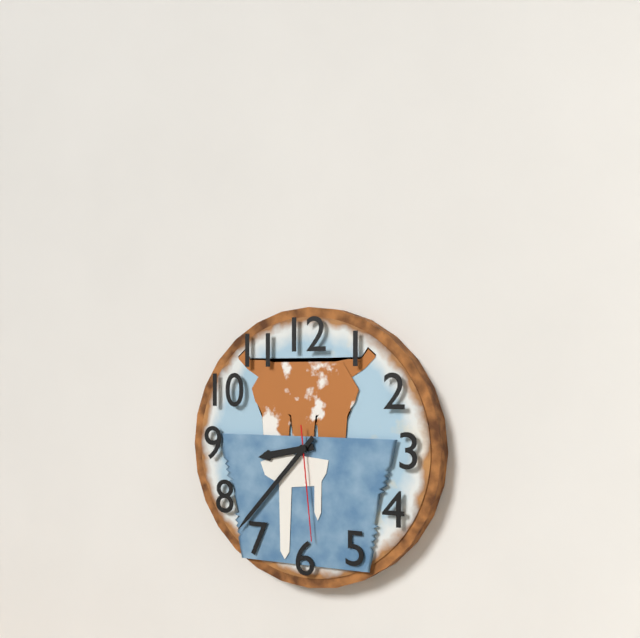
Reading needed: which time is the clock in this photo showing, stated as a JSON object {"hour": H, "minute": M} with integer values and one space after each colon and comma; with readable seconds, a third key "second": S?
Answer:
{"hour": 8, "minute": 37, "second": 29}
